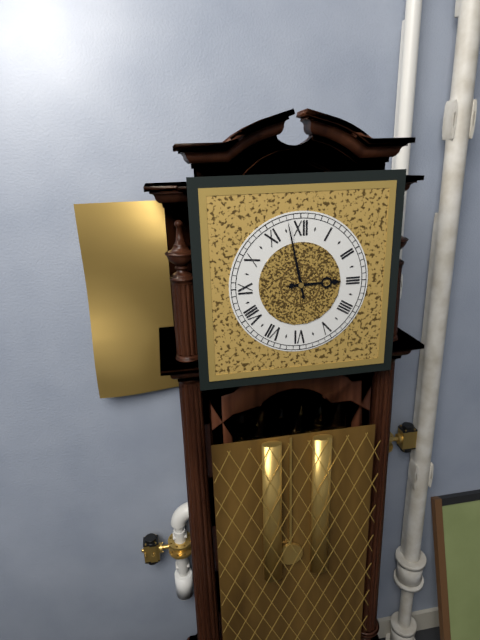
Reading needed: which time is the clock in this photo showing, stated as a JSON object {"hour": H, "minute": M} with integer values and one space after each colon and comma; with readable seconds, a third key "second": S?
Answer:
{"hour": 2, "minute": 58}
